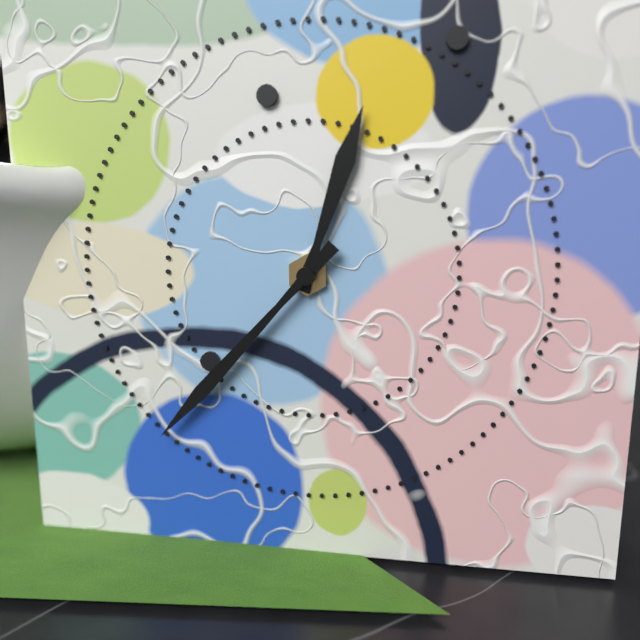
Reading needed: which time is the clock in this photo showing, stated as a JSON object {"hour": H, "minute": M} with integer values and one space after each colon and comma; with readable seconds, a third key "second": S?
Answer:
{"hour": 12, "minute": 37}
